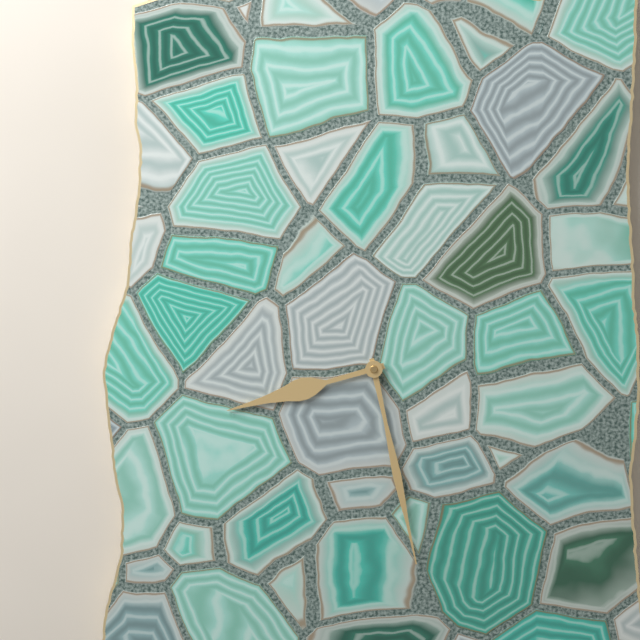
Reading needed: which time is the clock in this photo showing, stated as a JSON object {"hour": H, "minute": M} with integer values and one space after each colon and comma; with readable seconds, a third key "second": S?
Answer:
{"hour": 8, "minute": 28}
